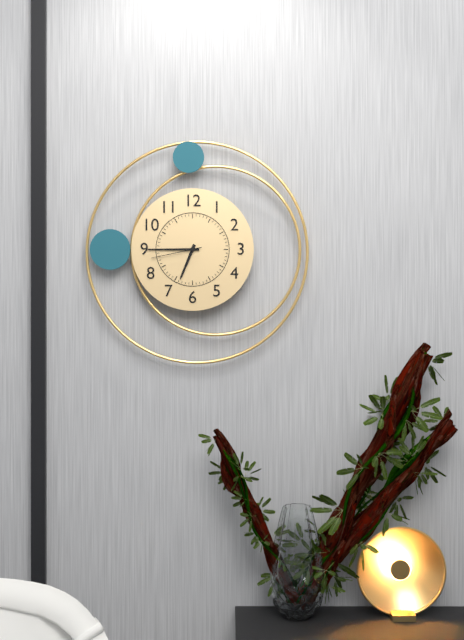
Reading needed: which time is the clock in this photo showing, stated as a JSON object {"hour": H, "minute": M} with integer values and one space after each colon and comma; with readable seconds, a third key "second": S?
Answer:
{"hour": 6, "minute": 45, "second": 43}
